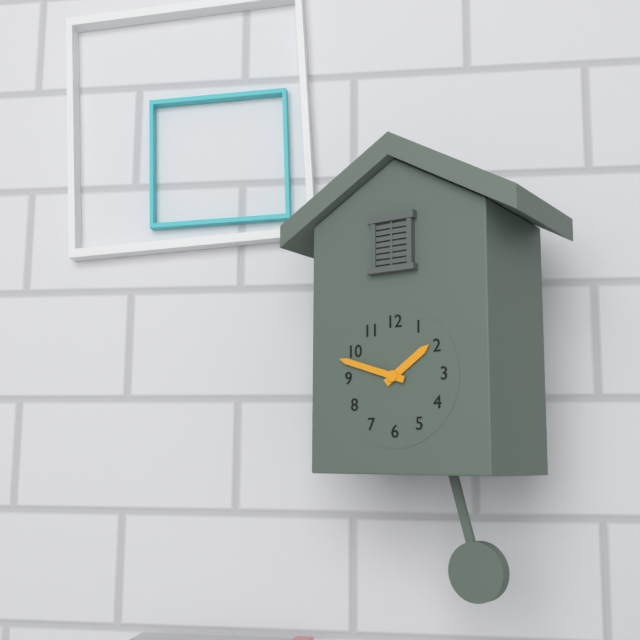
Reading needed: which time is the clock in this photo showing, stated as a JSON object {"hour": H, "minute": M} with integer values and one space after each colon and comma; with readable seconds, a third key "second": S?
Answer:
{"hour": 1, "minute": 48}
